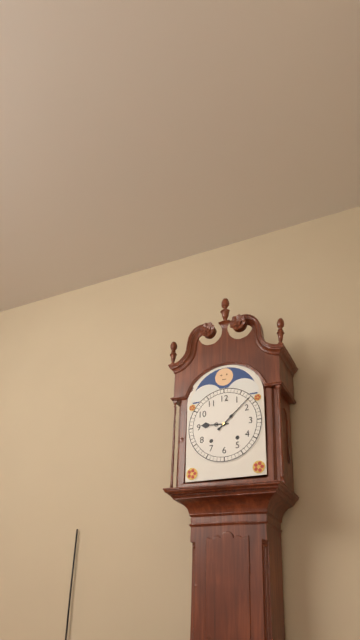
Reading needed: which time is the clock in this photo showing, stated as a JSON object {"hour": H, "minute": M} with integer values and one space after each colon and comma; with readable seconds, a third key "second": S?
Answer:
{"hour": 9, "minute": 8}
